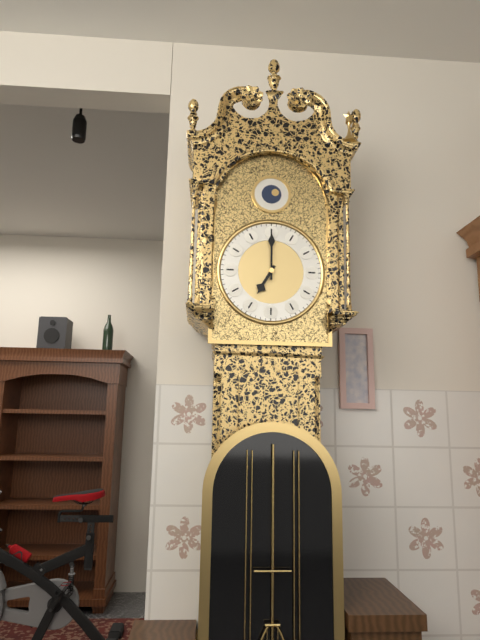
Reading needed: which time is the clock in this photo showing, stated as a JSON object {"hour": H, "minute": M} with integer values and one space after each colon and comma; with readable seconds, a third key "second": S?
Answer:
{"hour": 7, "minute": 0}
